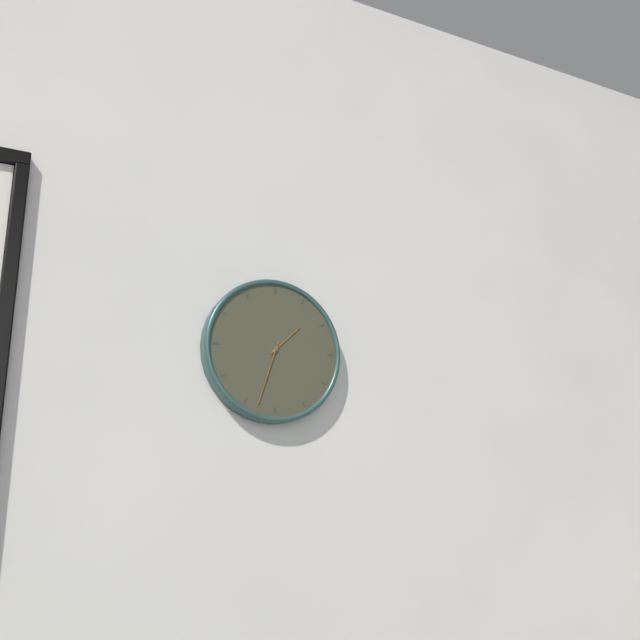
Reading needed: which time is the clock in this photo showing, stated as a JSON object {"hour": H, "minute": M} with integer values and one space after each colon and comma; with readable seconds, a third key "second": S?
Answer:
{"hour": 1, "minute": 33}
